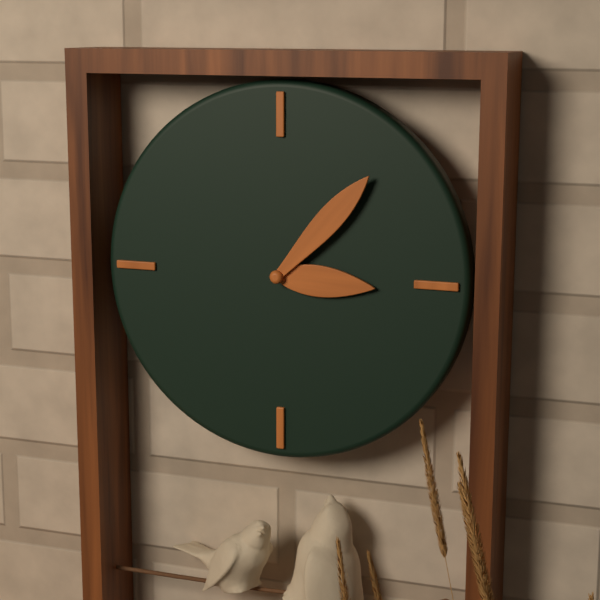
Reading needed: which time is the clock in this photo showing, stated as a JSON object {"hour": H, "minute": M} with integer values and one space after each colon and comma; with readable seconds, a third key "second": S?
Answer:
{"hour": 3, "minute": 7}
